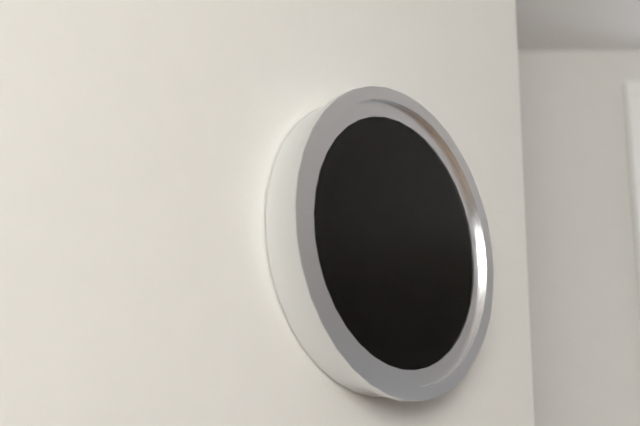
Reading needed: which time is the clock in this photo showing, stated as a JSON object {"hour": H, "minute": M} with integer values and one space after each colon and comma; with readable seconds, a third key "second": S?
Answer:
{"hour": 9, "minute": 18, "second": 19}
